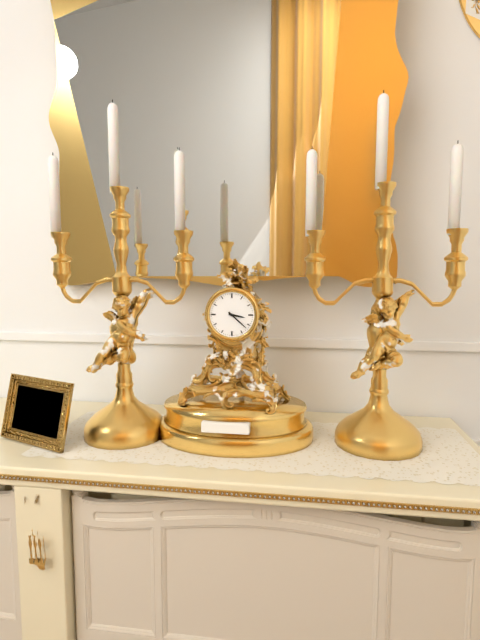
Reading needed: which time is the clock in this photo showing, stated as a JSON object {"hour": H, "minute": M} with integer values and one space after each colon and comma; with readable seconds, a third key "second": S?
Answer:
{"hour": 3, "minute": 22}
